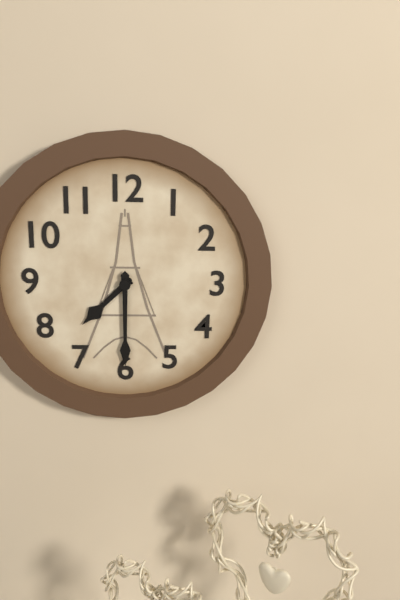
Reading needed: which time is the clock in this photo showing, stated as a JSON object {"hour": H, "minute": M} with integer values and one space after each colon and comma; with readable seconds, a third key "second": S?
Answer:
{"hour": 7, "minute": 30}
